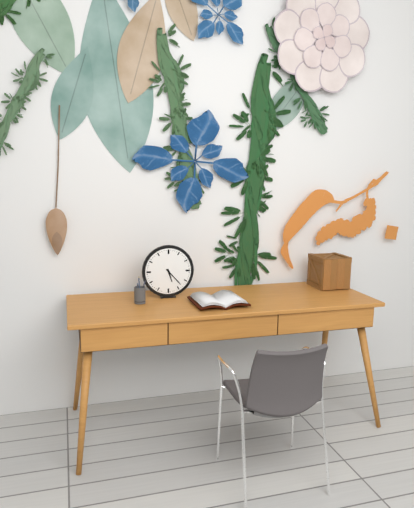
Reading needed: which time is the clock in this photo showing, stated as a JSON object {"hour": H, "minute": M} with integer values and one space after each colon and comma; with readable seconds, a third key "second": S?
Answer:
{"hour": 5, "minute": 23}
